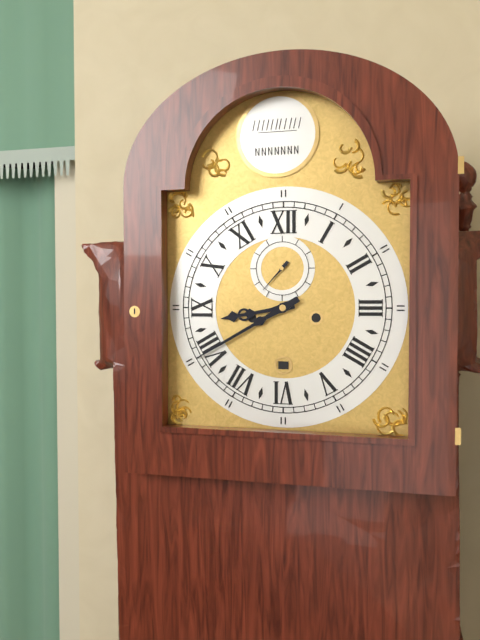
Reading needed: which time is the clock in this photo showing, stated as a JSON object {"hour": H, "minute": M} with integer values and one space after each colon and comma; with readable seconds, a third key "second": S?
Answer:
{"hour": 8, "minute": 40}
